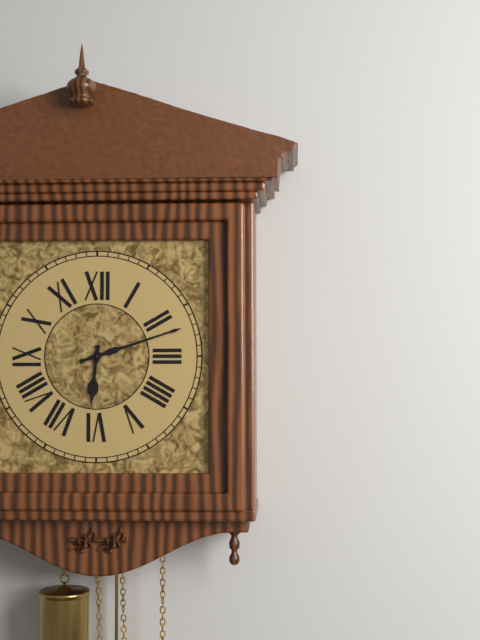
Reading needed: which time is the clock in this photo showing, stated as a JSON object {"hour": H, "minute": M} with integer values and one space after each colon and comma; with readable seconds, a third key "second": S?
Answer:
{"hour": 6, "minute": 12}
